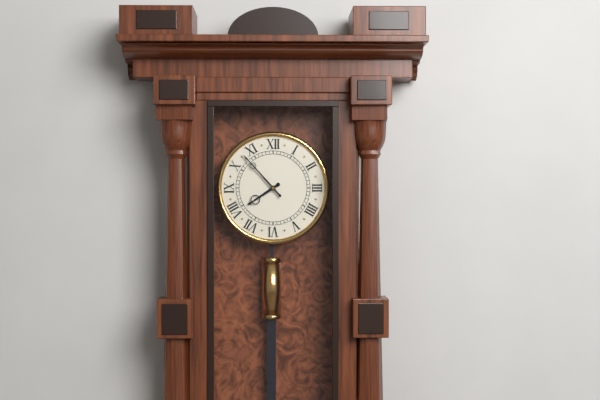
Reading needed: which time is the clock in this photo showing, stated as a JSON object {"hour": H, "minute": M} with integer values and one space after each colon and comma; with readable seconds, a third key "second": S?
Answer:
{"hour": 7, "minute": 53}
